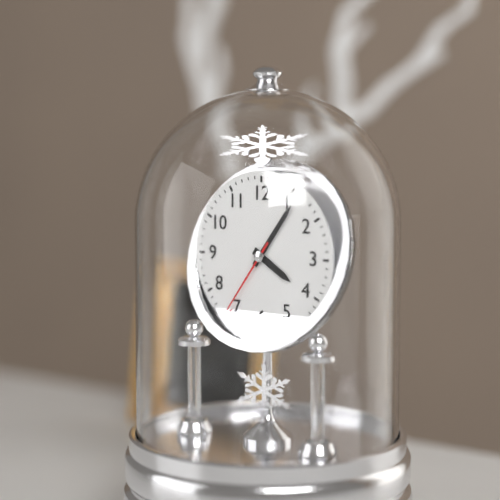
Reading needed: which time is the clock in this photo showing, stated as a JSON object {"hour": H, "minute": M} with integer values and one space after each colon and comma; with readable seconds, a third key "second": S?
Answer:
{"hour": 4, "minute": 6, "second": 36}
